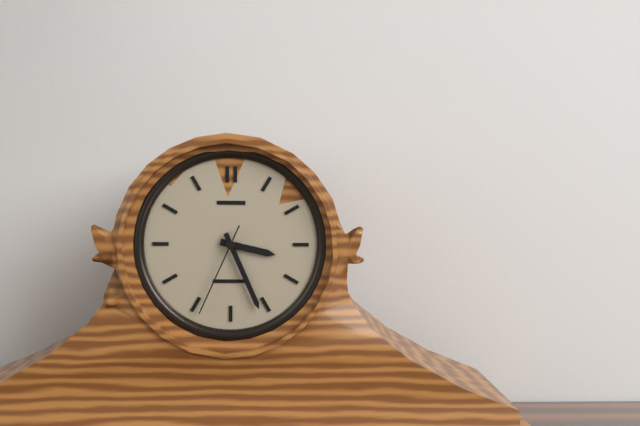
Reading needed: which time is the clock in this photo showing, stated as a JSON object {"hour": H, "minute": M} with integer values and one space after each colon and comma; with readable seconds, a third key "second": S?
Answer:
{"hour": 3, "minute": 26, "second": 34}
